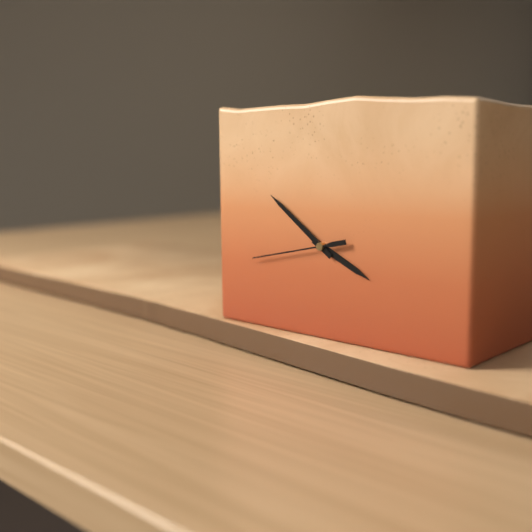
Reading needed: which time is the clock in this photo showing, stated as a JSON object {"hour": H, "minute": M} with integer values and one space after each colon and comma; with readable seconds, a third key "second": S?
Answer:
{"hour": 3, "minute": 51, "second": 43}
